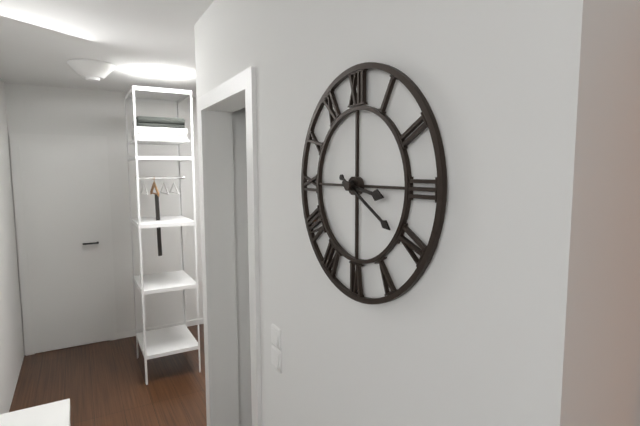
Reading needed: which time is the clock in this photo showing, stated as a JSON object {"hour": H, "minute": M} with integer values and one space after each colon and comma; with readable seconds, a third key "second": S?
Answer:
{"hour": 3, "minute": 20}
